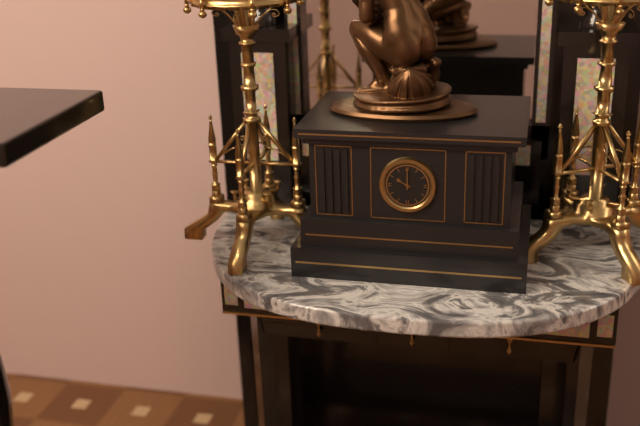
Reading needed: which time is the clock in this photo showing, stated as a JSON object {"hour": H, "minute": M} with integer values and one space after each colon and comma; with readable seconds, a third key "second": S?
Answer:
{"hour": 10, "minute": 0}
